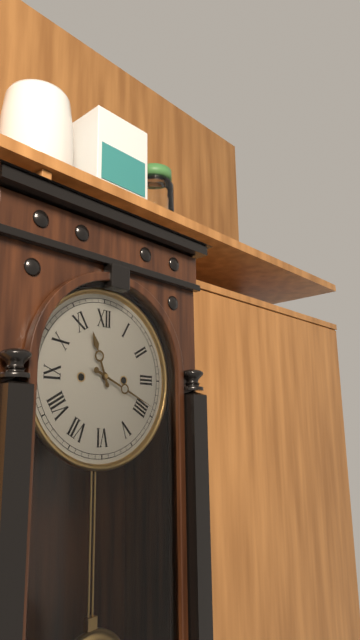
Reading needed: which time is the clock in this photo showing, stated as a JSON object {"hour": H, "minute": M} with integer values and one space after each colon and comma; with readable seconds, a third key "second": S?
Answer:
{"hour": 11, "minute": 19}
